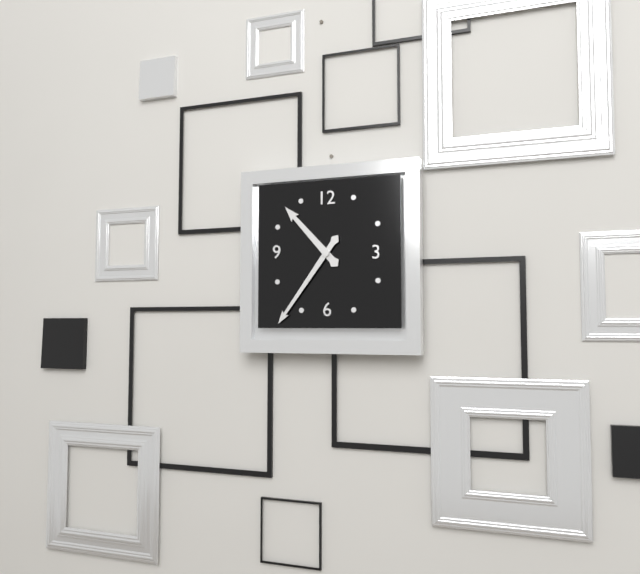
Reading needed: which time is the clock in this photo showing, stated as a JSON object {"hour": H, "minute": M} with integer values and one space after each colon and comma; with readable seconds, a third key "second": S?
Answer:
{"hour": 10, "minute": 36}
